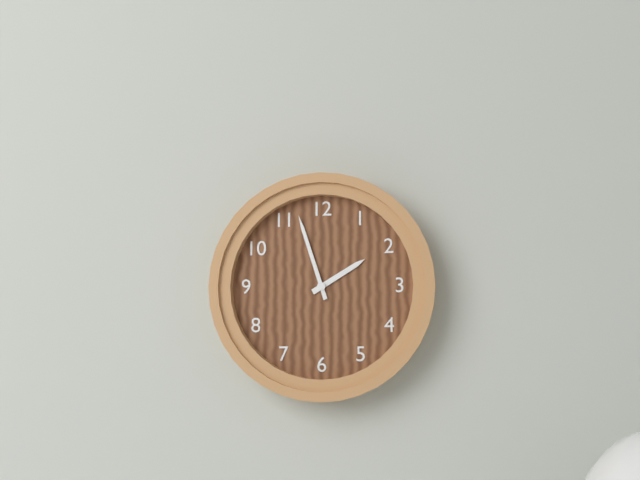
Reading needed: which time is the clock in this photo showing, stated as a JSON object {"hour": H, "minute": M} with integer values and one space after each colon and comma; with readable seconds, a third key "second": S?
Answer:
{"hour": 1, "minute": 57}
